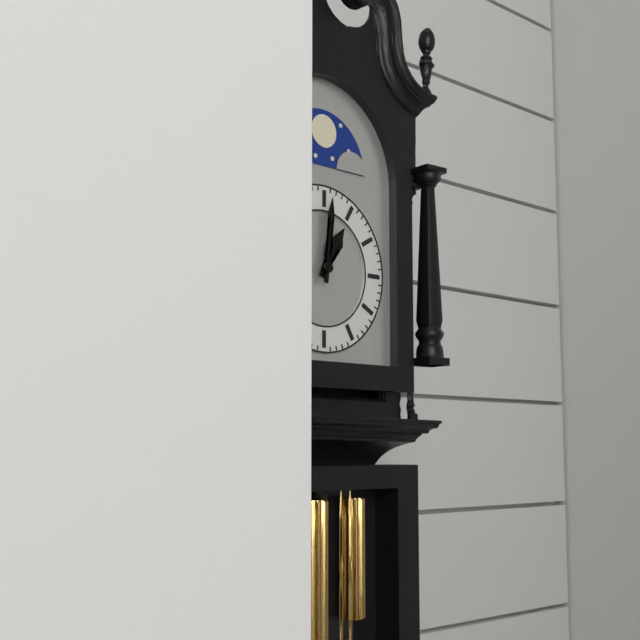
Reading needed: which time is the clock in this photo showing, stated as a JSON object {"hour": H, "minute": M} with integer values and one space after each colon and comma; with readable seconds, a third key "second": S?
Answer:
{"hour": 1, "minute": 1}
